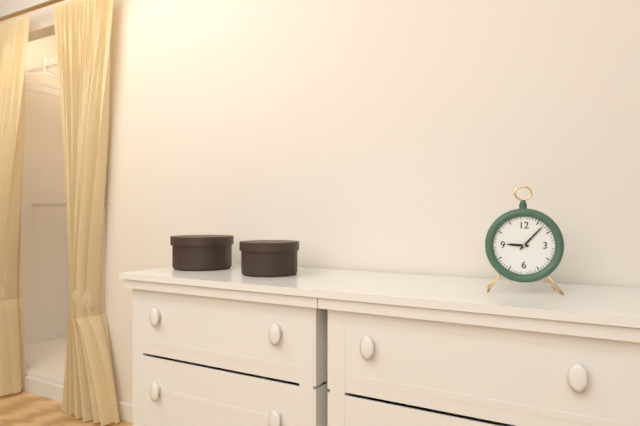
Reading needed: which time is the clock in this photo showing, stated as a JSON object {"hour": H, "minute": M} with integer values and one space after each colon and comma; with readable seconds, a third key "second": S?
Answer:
{"hour": 9, "minute": 7}
